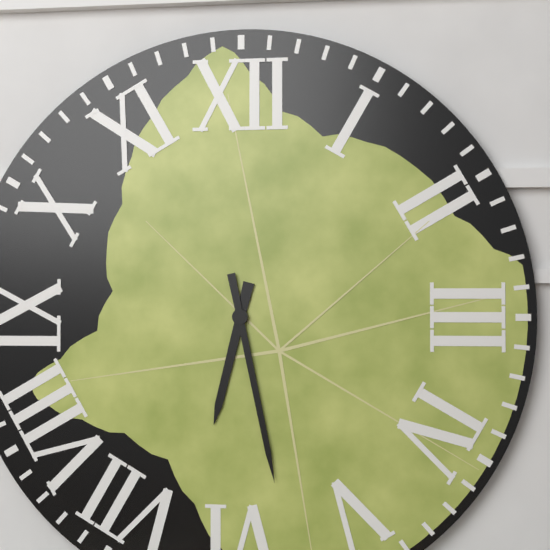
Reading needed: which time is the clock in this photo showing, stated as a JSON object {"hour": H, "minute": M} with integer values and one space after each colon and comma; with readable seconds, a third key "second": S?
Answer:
{"hour": 6, "minute": 28}
